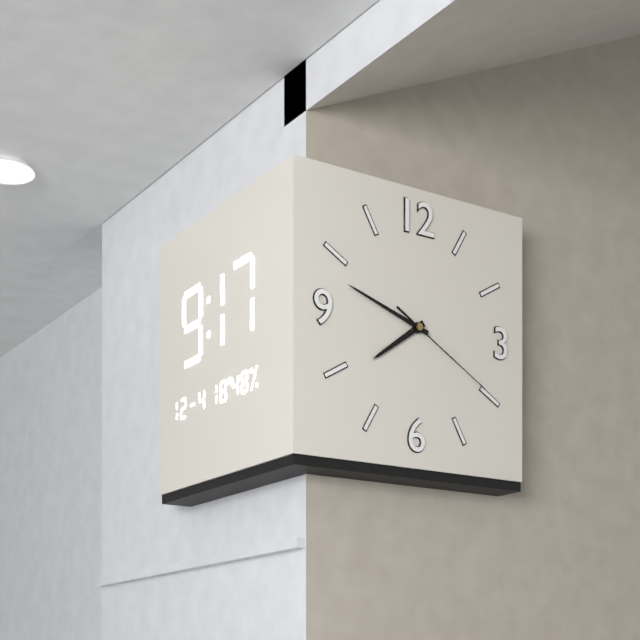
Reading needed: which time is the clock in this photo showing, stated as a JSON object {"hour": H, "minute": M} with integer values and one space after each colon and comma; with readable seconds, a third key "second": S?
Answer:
{"hour": 7, "minute": 48, "second": 20}
